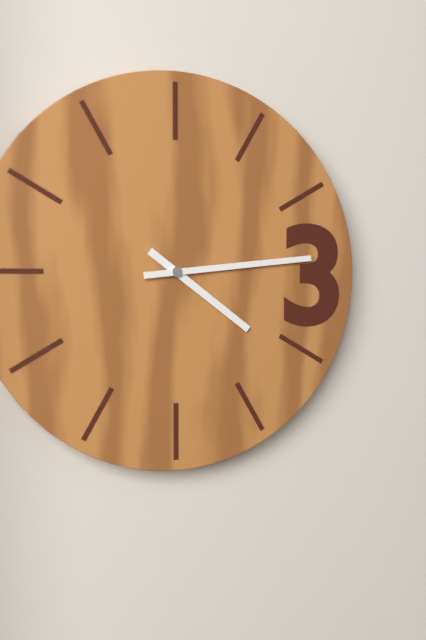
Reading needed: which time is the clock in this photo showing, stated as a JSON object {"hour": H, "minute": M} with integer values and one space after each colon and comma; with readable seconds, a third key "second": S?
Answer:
{"hour": 4, "minute": 14}
